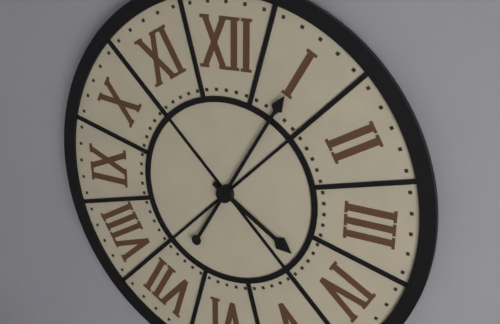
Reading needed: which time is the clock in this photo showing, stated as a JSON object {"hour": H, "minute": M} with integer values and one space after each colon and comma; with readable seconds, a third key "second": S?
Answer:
{"hour": 4, "minute": 5}
